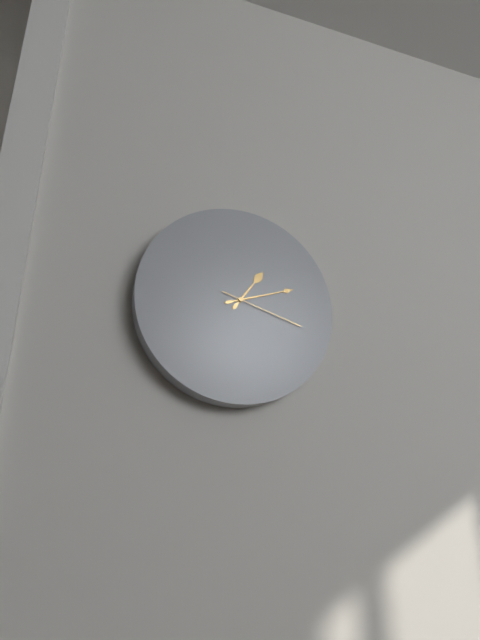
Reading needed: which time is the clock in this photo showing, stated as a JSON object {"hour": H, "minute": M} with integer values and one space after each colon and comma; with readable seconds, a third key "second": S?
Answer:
{"hour": 1, "minute": 12, "second": 18}
